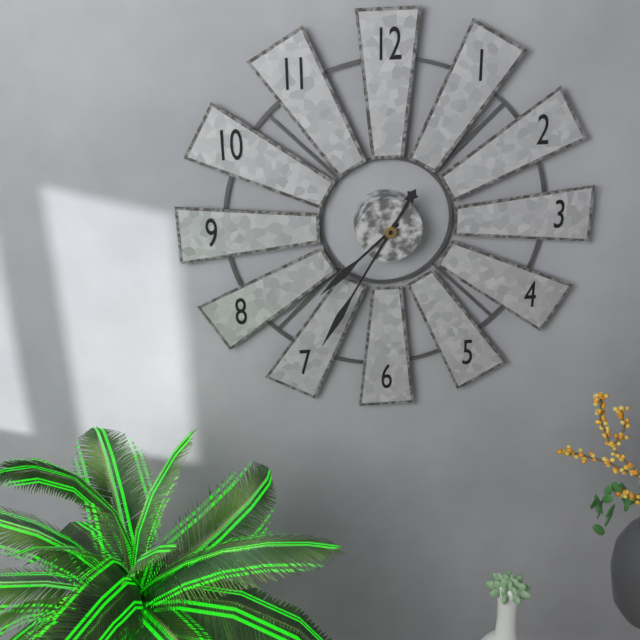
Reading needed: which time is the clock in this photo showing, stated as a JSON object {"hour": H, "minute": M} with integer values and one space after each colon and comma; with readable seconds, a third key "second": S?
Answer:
{"hour": 7, "minute": 35}
